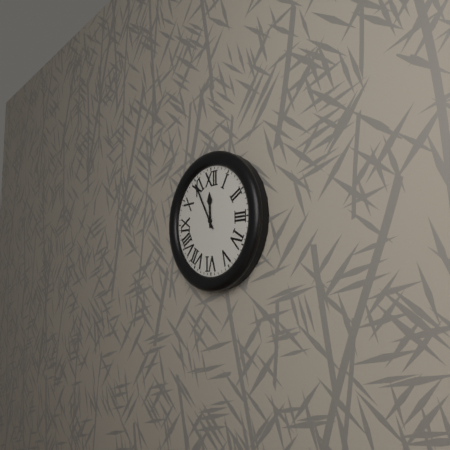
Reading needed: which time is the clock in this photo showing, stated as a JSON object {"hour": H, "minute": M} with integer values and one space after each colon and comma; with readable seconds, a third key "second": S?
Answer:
{"hour": 11, "minute": 55}
